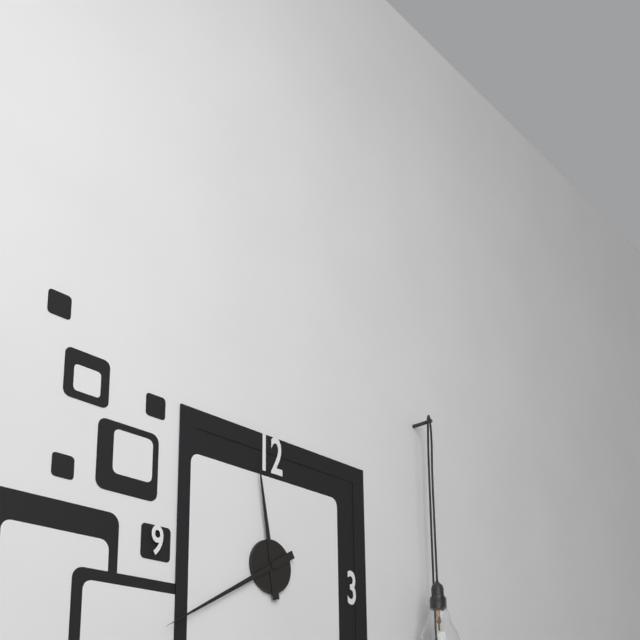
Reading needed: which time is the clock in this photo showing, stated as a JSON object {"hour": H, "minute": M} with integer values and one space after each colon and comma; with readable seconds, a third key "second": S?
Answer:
{"hour": 11, "minute": 40}
